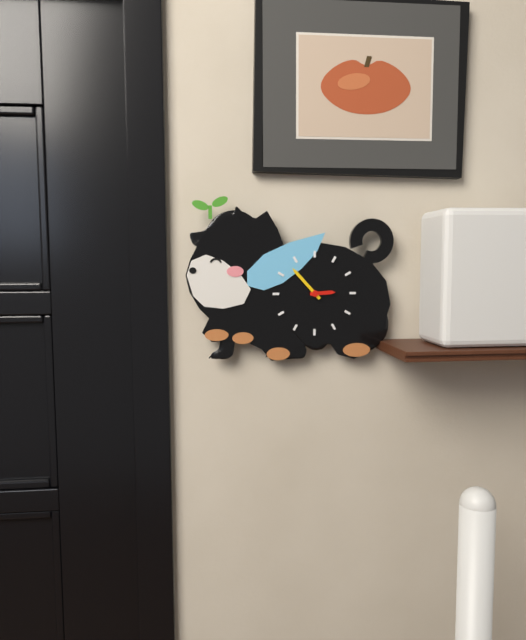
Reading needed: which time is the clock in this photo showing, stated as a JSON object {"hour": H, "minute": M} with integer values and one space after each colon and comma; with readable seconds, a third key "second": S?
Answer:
{"hour": 2, "minute": 53}
